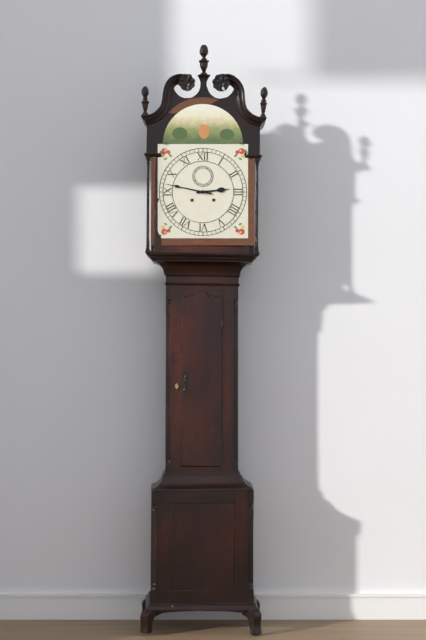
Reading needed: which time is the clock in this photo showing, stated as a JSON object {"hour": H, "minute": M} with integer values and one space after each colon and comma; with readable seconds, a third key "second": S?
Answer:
{"hour": 2, "minute": 47}
